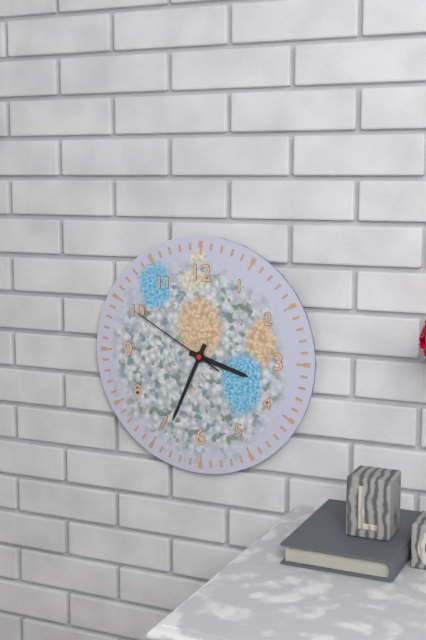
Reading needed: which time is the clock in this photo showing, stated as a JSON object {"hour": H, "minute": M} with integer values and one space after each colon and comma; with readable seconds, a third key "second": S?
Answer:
{"hour": 3, "minute": 34, "second": 50}
